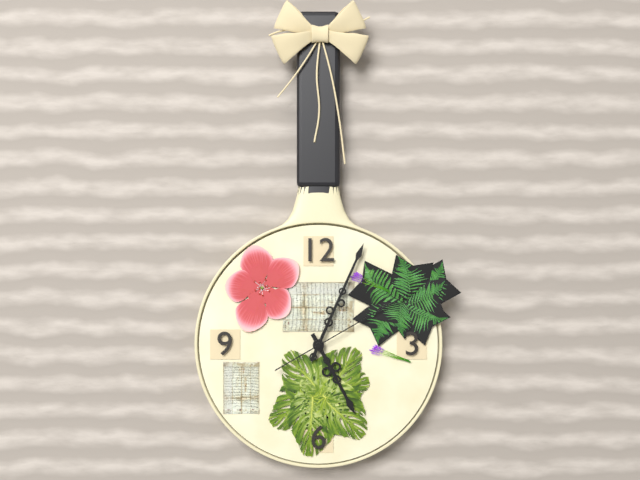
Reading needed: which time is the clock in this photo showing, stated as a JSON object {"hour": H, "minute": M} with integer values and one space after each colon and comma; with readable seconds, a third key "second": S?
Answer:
{"hour": 5, "minute": 4, "second": 10}
